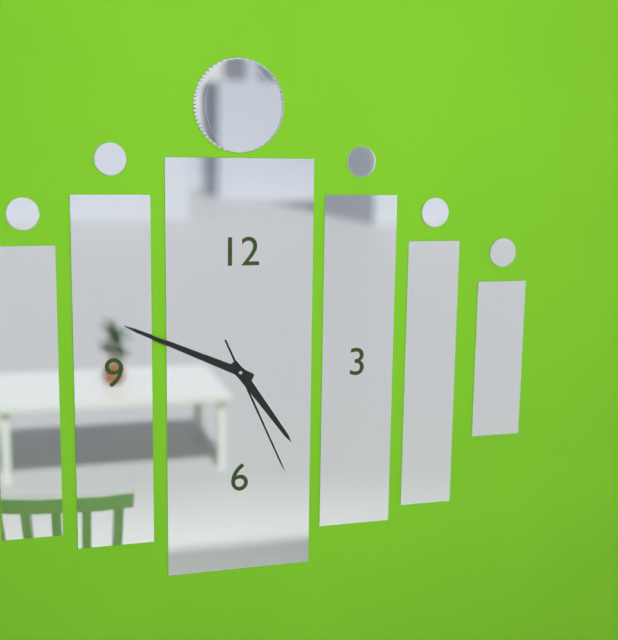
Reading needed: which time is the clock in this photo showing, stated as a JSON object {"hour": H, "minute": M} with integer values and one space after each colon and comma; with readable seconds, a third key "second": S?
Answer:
{"hour": 4, "minute": 49, "second": 26}
